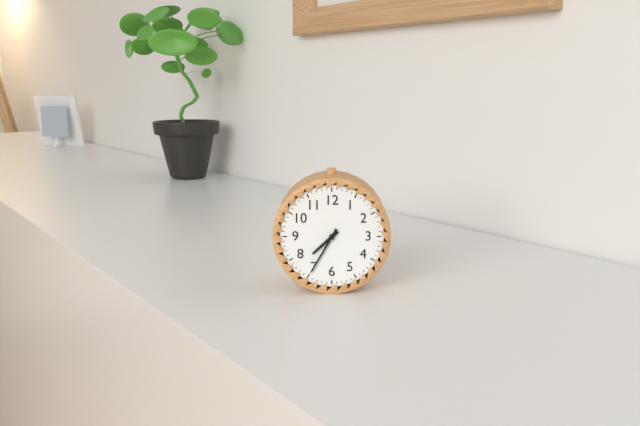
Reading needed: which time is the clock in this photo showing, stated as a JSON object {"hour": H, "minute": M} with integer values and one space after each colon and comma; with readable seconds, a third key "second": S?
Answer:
{"hour": 7, "minute": 35}
